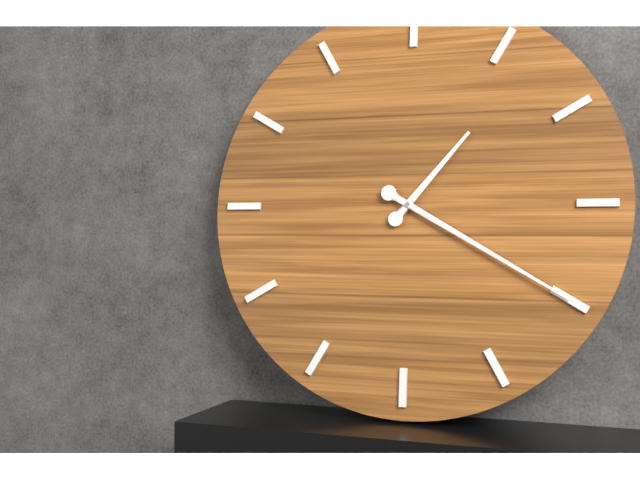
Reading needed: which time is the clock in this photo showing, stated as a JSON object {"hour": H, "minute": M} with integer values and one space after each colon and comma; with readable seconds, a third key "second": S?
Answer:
{"hour": 1, "minute": 20}
